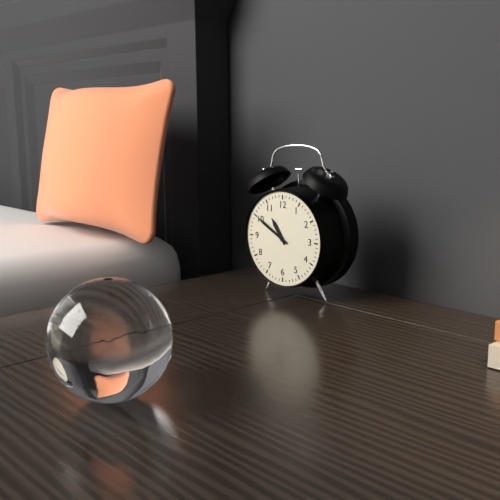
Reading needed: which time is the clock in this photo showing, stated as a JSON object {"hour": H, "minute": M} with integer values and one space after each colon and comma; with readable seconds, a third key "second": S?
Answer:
{"hour": 10, "minute": 50}
